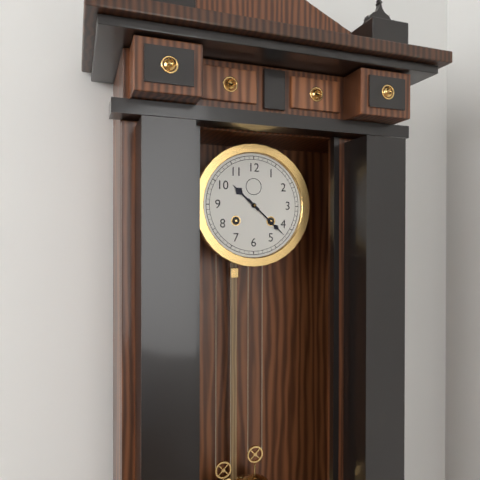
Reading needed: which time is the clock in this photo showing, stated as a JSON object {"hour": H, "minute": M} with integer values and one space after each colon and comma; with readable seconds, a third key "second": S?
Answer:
{"hour": 10, "minute": 22}
